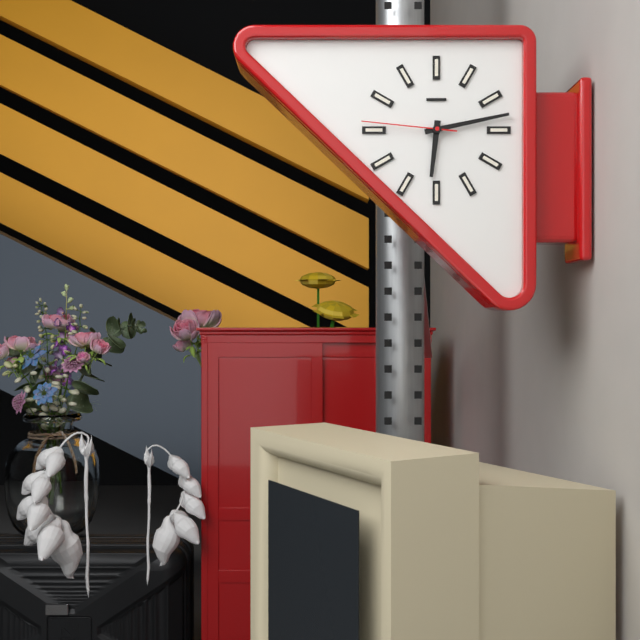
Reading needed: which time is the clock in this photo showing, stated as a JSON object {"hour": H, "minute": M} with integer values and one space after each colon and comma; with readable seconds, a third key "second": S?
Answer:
{"hour": 6, "minute": 13, "second": 46}
